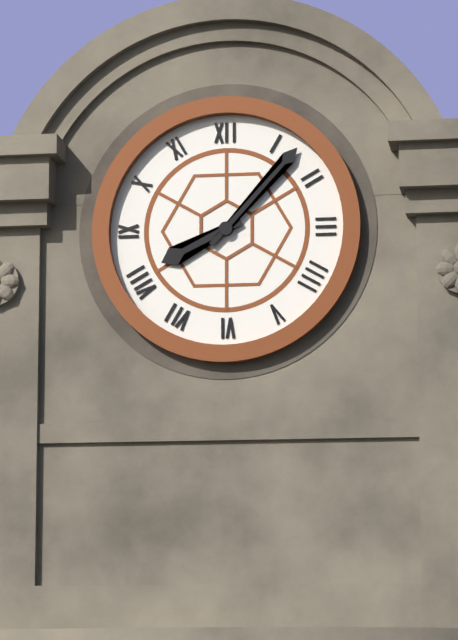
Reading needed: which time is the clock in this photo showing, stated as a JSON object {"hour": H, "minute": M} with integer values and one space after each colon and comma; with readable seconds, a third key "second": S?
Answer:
{"hour": 8, "minute": 7}
